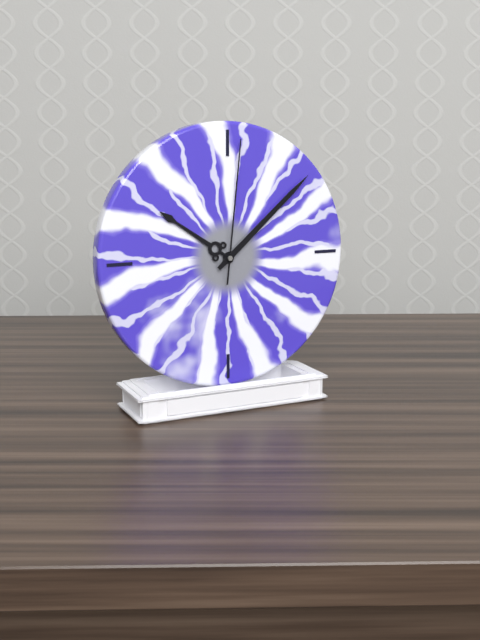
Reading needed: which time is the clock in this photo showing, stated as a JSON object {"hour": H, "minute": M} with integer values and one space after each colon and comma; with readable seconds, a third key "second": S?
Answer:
{"hour": 10, "minute": 8, "second": 1}
